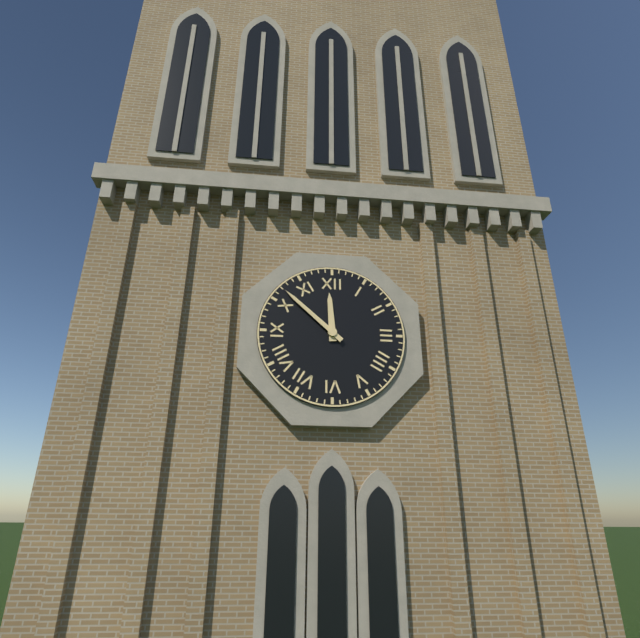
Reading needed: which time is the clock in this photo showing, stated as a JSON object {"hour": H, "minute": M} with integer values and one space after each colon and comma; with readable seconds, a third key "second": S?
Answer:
{"hour": 11, "minute": 52}
